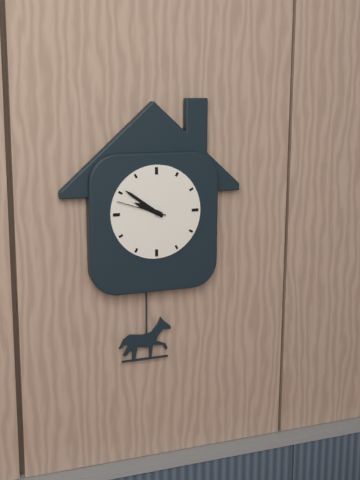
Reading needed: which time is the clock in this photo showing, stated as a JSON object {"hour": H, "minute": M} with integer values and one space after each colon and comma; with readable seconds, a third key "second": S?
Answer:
{"hour": 9, "minute": 51, "second": 48}
